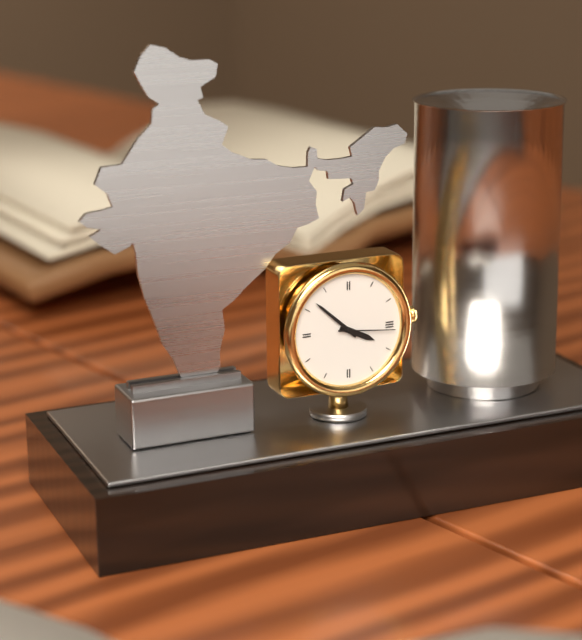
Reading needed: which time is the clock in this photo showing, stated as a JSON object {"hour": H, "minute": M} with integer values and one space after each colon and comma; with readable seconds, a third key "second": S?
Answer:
{"hour": 3, "minute": 52, "second": 16}
